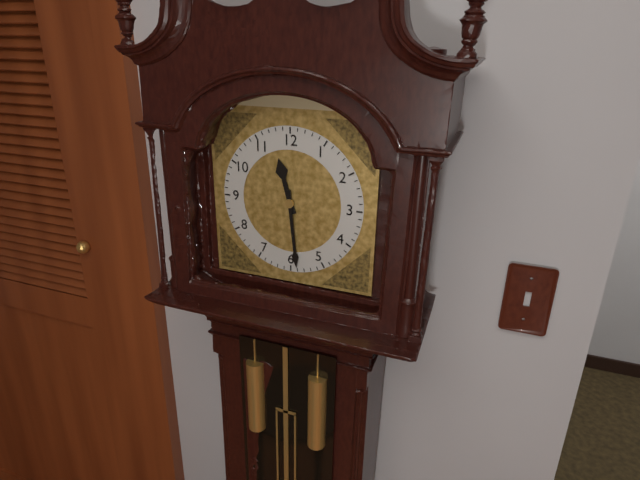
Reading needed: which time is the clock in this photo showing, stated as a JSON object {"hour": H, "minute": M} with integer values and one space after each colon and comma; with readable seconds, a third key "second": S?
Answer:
{"hour": 11, "minute": 29}
